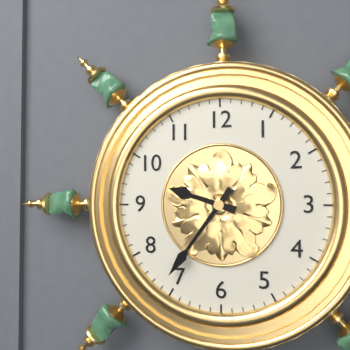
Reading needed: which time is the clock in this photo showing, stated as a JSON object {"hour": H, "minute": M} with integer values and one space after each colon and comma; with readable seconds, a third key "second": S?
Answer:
{"hour": 9, "minute": 36}
